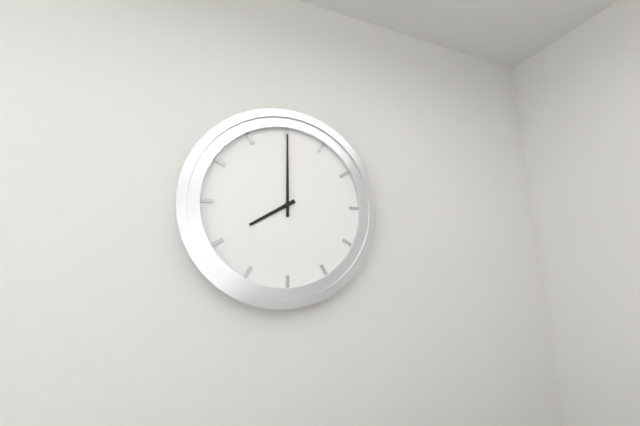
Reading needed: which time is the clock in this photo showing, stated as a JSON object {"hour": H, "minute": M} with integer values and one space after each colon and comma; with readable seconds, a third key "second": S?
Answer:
{"hour": 8, "minute": 0}
